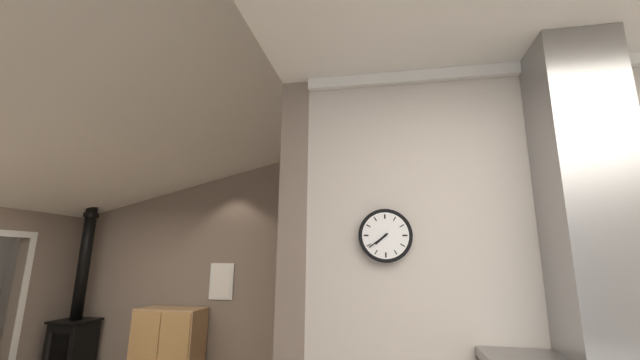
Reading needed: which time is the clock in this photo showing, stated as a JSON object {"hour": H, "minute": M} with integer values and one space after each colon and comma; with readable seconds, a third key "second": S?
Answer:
{"hour": 7, "minute": 39}
